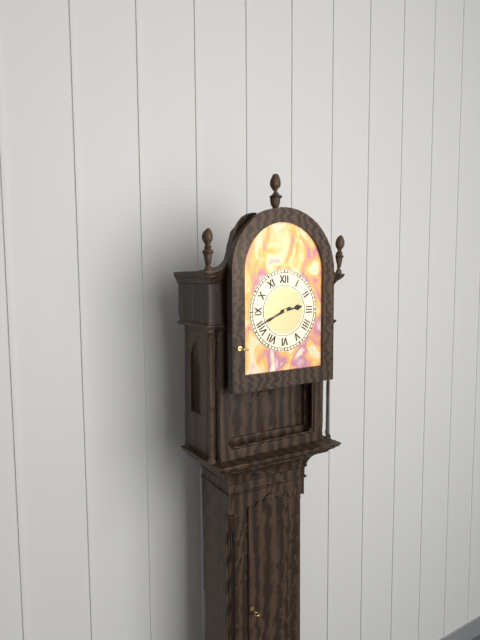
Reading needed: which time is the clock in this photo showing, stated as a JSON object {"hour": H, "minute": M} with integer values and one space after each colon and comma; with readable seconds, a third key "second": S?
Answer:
{"hour": 2, "minute": 41}
